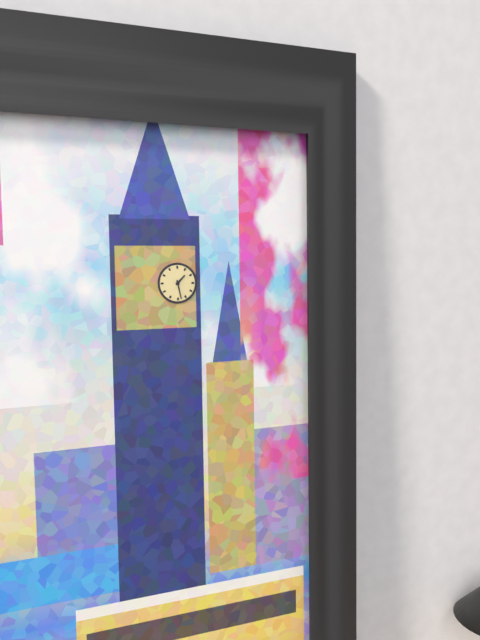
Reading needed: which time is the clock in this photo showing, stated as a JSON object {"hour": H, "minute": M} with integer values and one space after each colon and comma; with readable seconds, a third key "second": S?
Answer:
{"hour": 1, "minute": 28}
